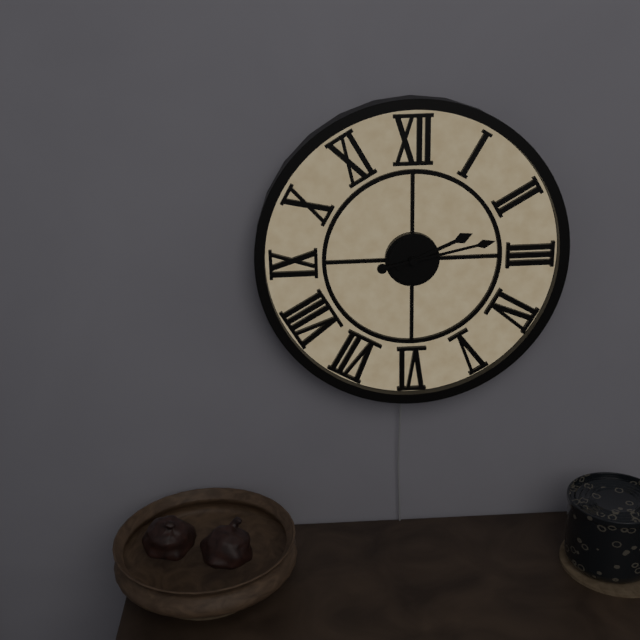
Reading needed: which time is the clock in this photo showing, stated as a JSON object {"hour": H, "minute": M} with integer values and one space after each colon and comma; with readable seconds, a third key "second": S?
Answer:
{"hour": 2, "minute": 13}
